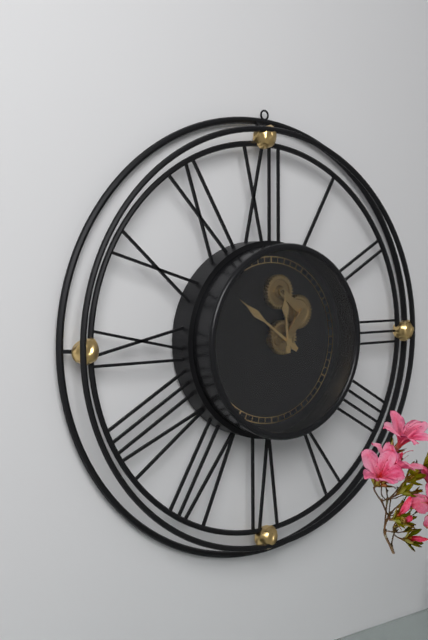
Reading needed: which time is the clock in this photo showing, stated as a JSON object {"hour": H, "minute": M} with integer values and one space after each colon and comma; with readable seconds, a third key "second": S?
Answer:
{"hour": 11, "minute": 51}
